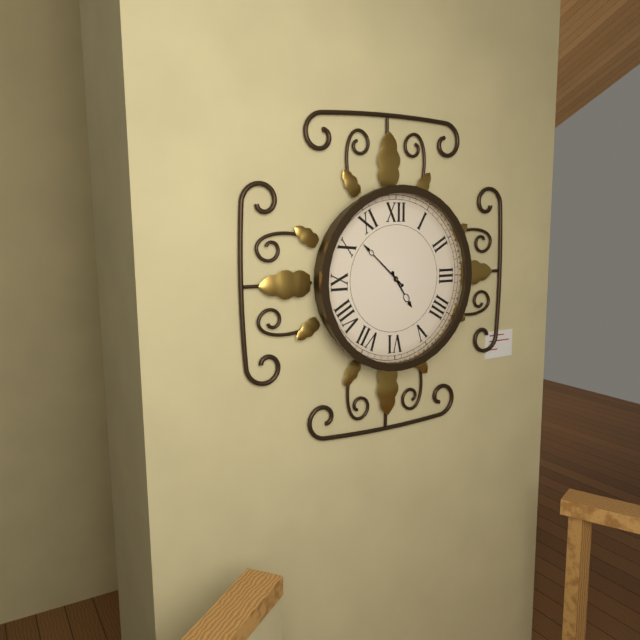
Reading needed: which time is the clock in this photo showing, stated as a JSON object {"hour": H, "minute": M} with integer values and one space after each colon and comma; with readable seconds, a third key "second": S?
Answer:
{"hour": 4, "minute": 52}
